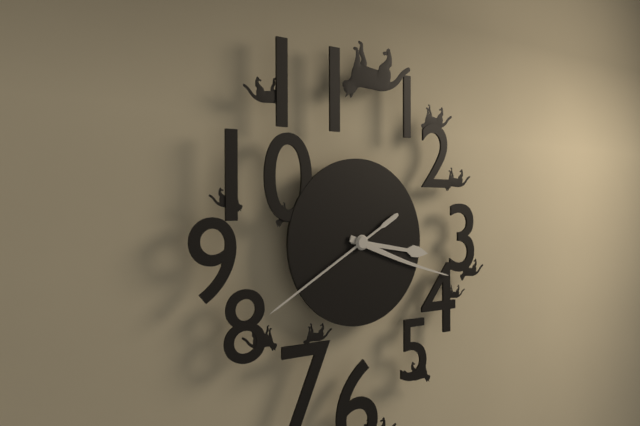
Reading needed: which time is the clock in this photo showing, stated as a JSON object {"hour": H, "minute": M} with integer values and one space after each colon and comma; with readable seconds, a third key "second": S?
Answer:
{"hour": 3, "minute": 18, "second": 40}
